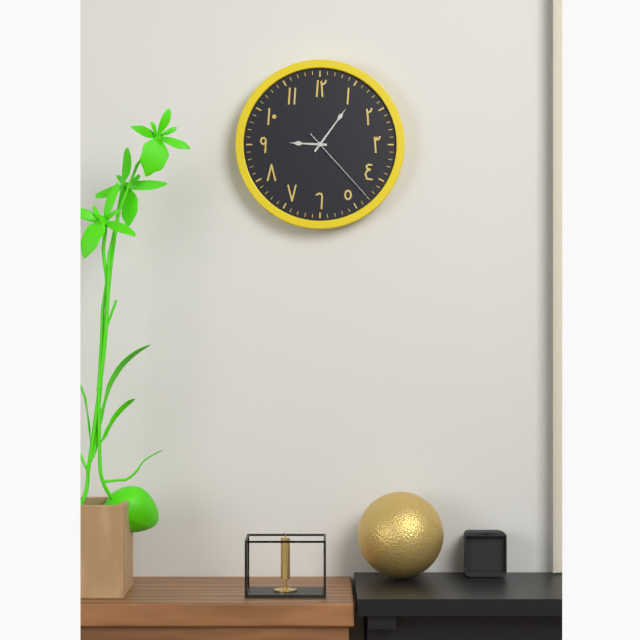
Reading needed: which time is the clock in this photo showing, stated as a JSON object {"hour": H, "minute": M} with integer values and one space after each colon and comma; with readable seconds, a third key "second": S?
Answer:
{"hour": 9, "minute": 6, "second": 23}
